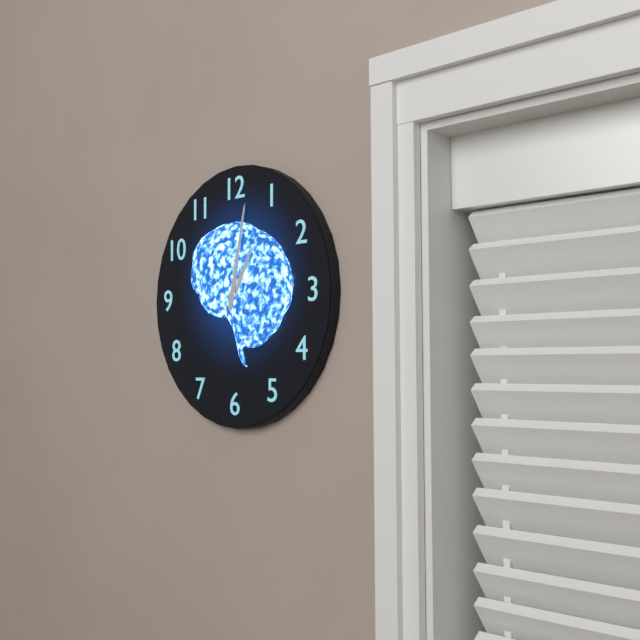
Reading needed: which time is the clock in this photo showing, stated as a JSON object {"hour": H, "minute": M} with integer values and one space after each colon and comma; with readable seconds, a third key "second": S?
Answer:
{"hour": 1, "minute": 2}
